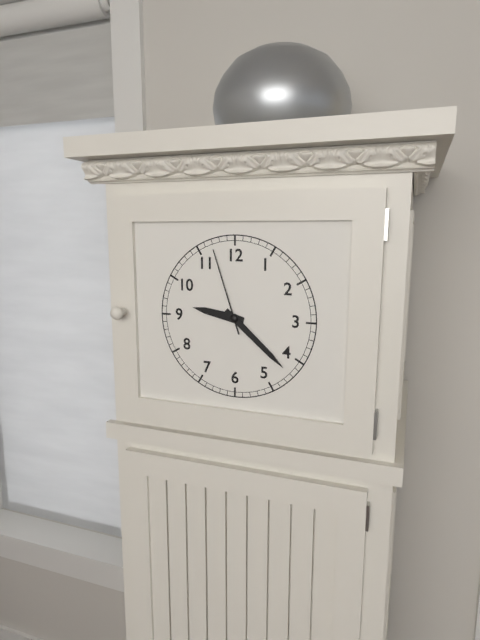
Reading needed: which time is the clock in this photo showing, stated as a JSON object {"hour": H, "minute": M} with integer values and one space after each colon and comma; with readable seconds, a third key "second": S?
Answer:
{"hour": 9, "minute": 22, "second": 57}
